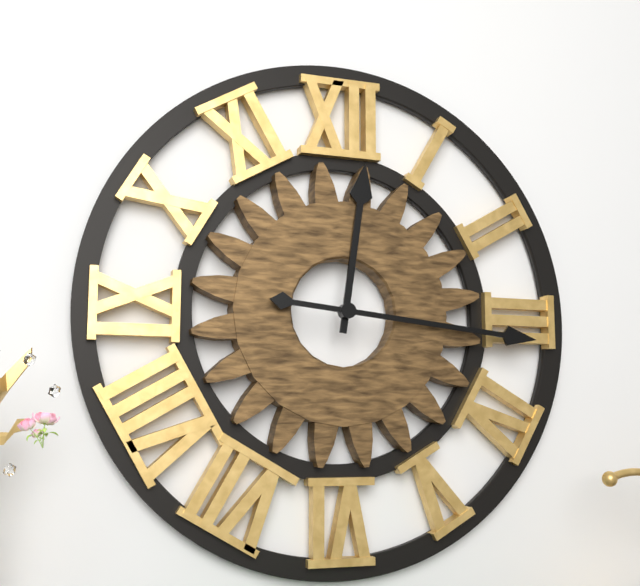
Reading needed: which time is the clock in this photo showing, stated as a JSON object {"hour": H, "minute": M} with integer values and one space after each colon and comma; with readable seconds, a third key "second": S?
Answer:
{"hour": 12, "minute": 16}
